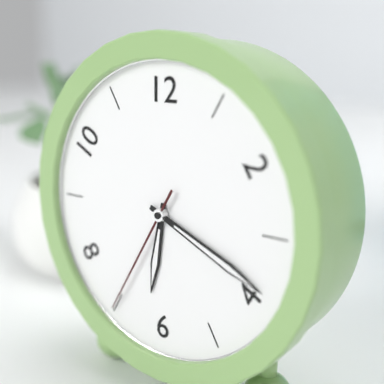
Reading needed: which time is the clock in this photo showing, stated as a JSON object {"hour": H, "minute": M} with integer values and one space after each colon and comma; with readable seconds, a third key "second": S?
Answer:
{"hour": 6, "minute": 19, "second": 35}
